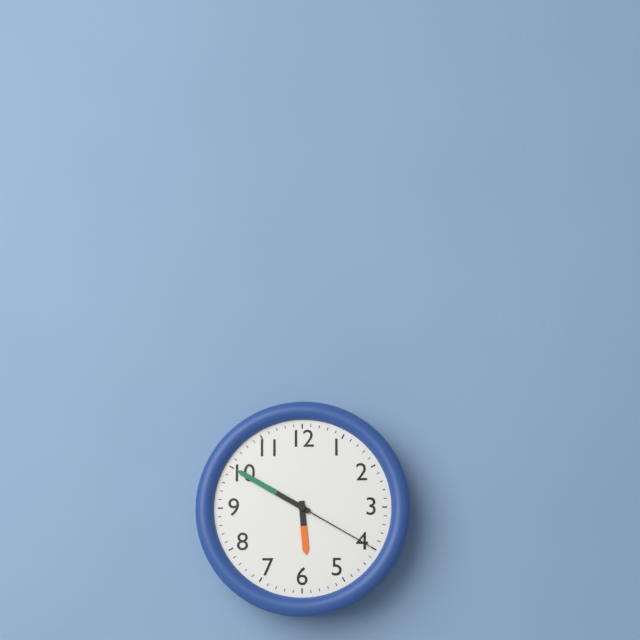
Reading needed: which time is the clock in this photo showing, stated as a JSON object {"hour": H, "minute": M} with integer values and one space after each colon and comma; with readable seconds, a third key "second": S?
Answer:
{"hour": 5, "minute": 50, "second": 20}
